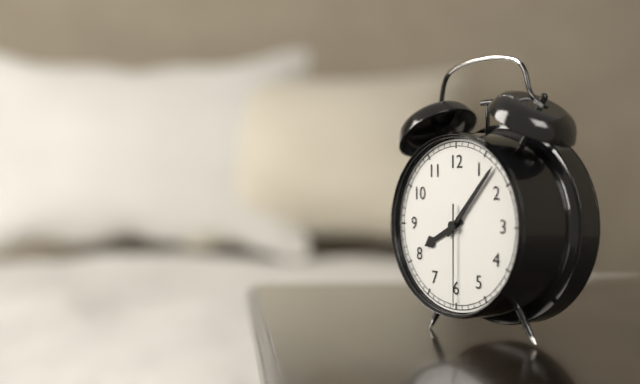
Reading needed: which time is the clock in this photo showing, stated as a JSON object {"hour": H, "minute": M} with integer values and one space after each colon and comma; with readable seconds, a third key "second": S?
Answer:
{"hour": 8, "minute": 7, "second": 30}
